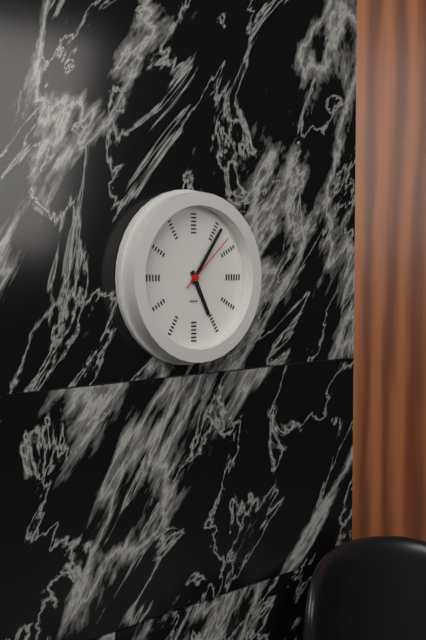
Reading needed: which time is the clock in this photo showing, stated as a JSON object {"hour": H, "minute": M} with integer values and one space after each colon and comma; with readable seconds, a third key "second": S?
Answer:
{"hour": 5, "minute": 6, "second": 8}
